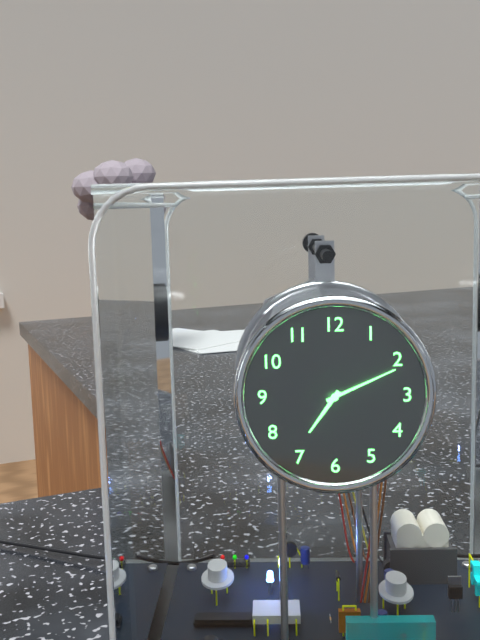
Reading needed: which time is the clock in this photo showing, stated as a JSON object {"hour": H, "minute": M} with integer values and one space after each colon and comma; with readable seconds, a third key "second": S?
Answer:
{"hour": 7, "minute": 11}
